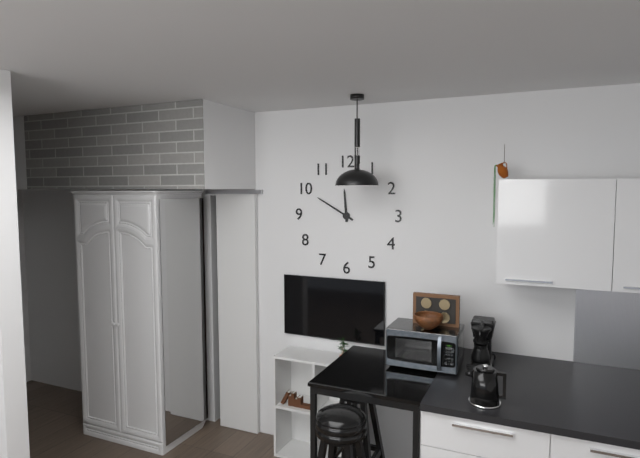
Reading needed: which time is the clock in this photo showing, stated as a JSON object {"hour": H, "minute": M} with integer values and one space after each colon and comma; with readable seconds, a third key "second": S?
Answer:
{"hour": 11, "minute": 50}
